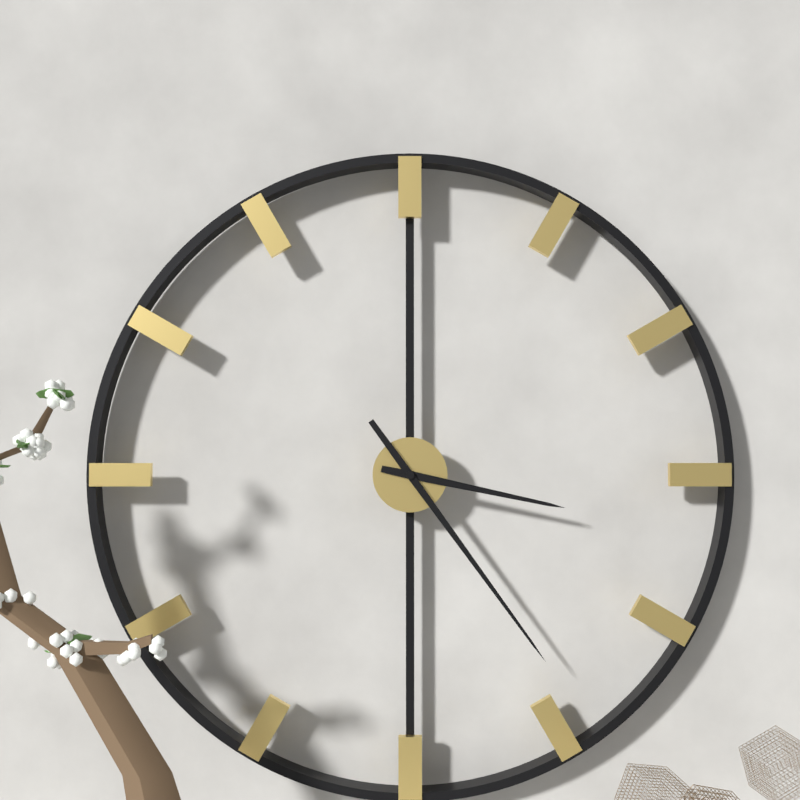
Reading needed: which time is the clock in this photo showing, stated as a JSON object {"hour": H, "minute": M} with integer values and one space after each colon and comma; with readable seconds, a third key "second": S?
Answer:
{"hour": 3, "minute": 24}
